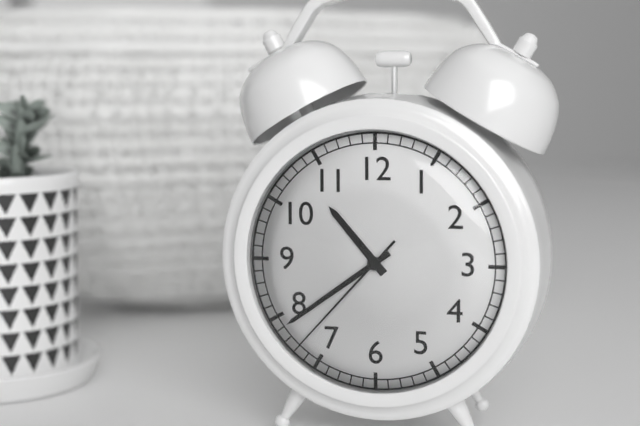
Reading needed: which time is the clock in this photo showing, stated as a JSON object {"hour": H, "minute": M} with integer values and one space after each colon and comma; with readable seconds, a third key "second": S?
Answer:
{"hour": 10, "minute": 39, "second": 37}
